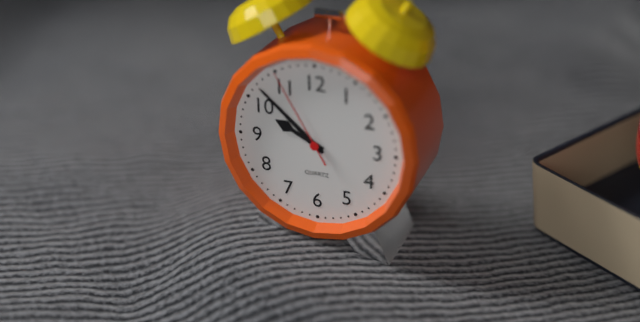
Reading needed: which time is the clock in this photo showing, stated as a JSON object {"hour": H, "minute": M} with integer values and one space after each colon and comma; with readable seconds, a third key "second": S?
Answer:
{"hour": 9, "minute": 52, "second": 55}
